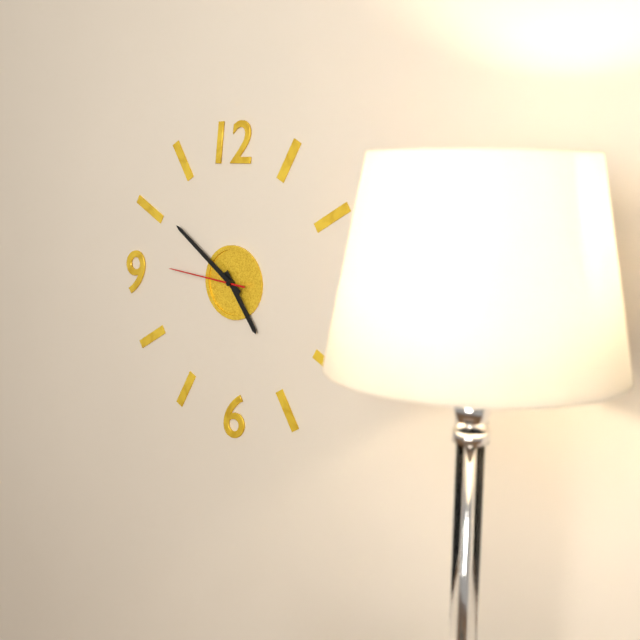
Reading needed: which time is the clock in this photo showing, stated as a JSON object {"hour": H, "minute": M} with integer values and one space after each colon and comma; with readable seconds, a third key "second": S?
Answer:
{"hour": 4, "minute": 51, "second": 46}
